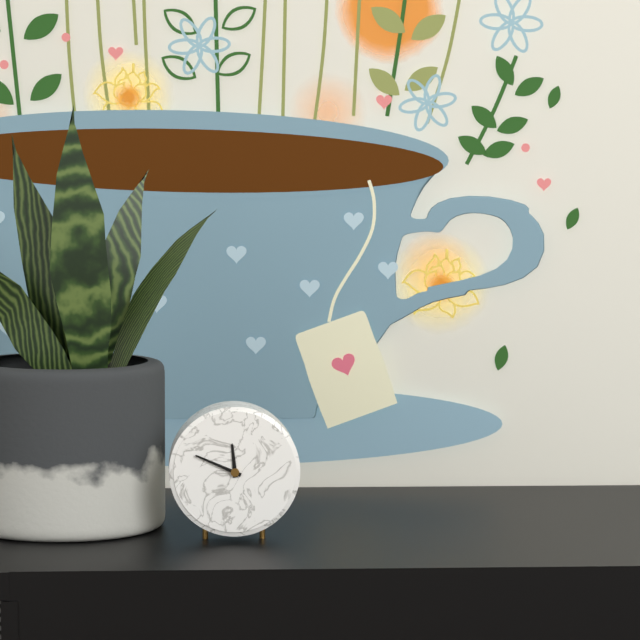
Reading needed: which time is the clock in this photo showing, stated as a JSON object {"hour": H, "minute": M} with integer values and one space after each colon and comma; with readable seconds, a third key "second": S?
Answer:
{"hour": 11, "minute": 49}
